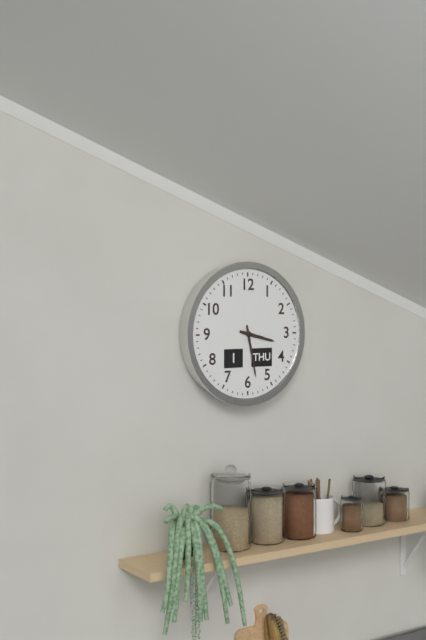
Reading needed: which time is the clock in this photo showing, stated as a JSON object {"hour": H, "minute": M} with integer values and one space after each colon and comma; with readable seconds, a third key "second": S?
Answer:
{"hour": 3, "minute": 28}
